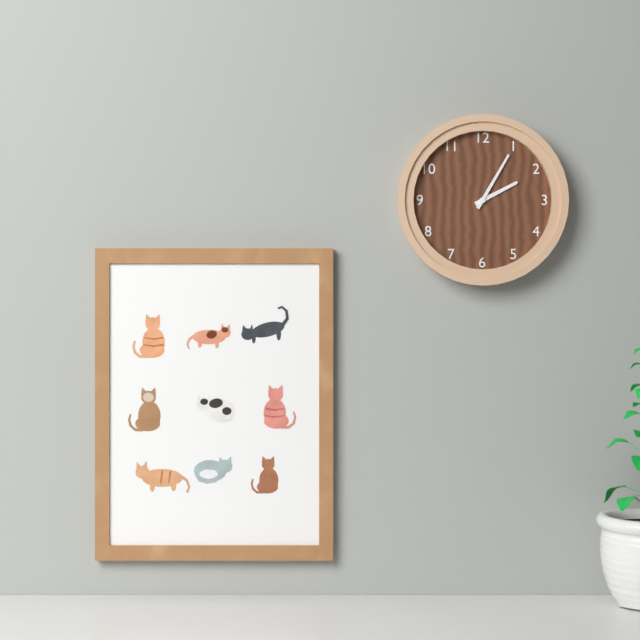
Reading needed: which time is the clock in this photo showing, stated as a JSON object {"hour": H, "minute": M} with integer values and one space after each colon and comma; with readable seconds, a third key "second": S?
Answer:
{"hour": 2, "minute": 5}
